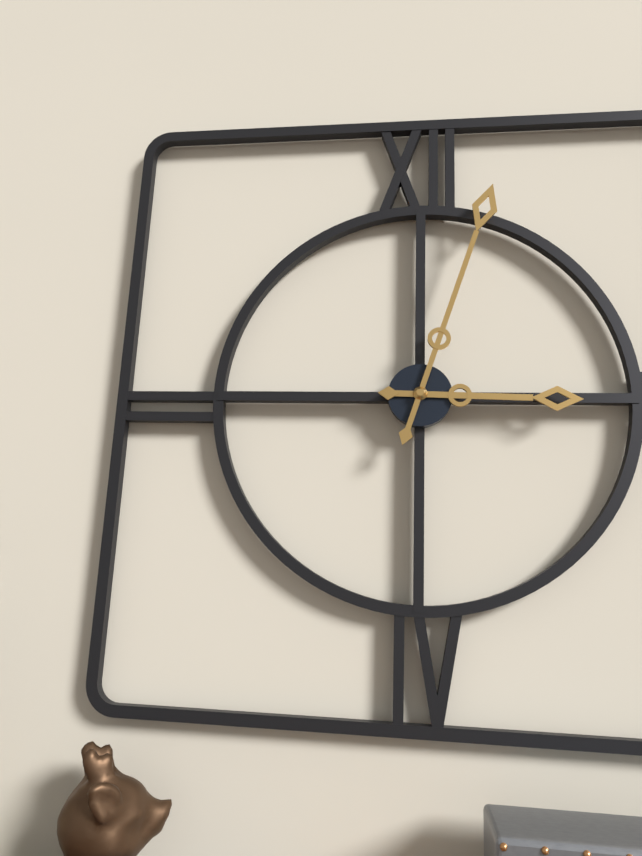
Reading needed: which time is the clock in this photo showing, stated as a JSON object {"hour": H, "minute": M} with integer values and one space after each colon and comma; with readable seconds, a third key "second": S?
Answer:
{"hour": 3, "minute": 3}
